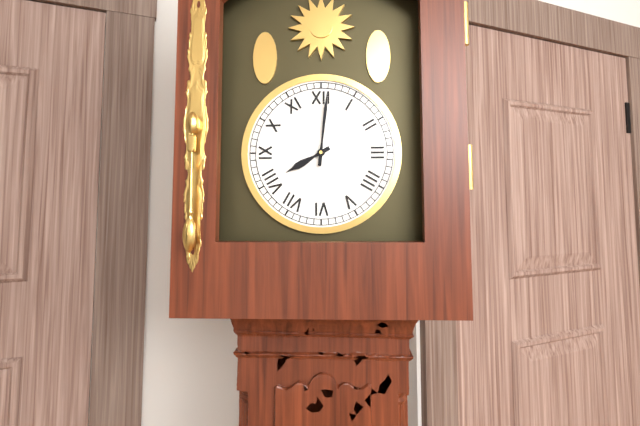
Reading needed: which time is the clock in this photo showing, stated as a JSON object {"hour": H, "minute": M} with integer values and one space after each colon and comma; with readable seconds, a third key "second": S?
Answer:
{"hour": 8, "minute": 1}
